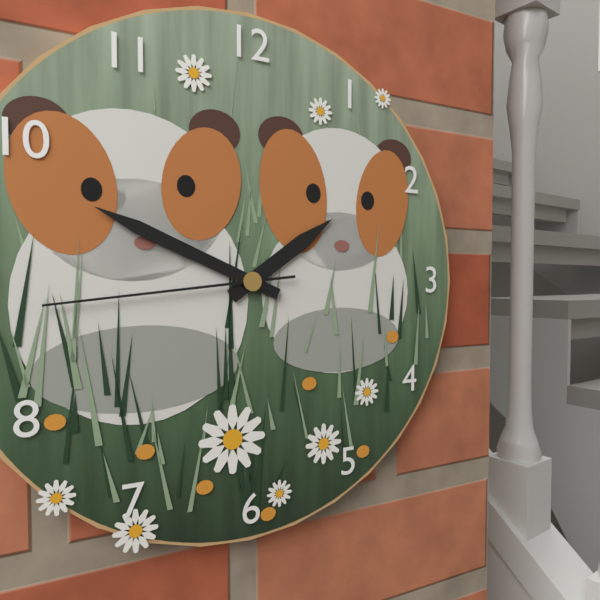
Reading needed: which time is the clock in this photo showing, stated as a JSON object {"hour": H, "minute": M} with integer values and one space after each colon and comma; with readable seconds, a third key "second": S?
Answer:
{"hour": 1, "minute": 49, "second": 44}
